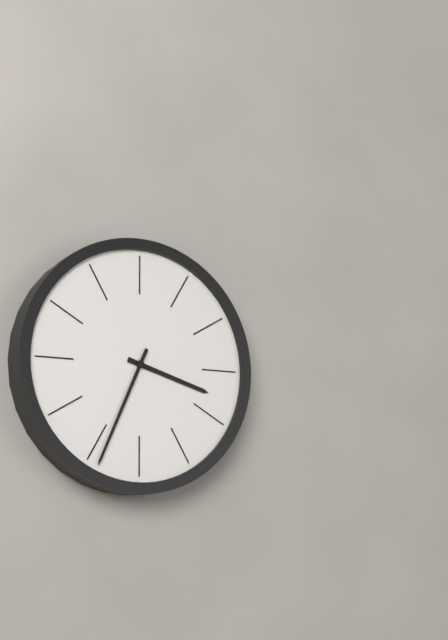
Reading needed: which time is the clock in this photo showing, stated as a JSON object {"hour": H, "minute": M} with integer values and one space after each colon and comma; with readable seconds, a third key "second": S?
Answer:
{"hour": 3, "minute": 34}
